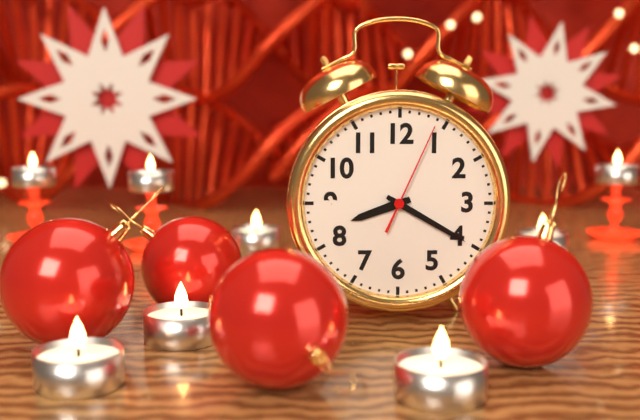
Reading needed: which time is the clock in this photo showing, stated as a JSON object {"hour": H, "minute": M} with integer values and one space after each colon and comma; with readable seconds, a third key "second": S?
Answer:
{"hour": 8, "minute": 20, "second": 4}
